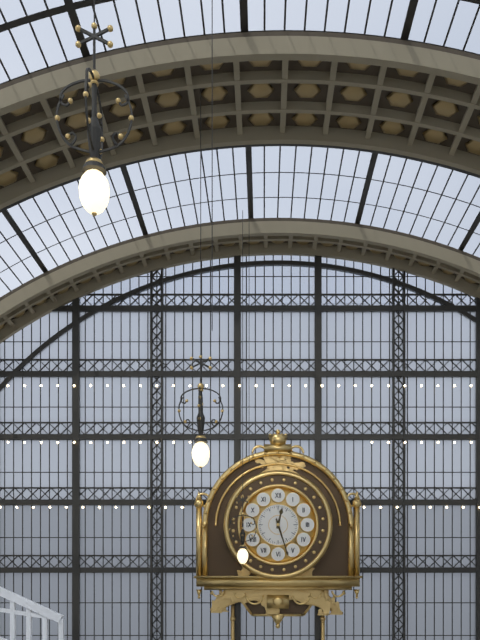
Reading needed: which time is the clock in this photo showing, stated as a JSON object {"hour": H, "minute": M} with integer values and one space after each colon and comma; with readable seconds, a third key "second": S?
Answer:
{"hour": 12, "minute": 27}
